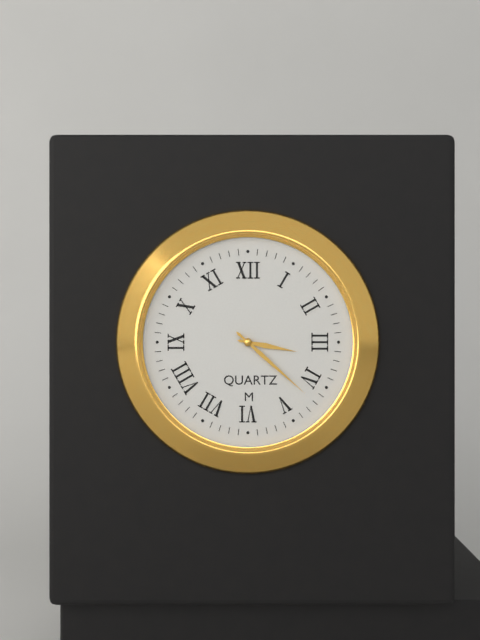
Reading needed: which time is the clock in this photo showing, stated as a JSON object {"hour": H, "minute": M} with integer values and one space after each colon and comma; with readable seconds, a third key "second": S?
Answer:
{"hour": 3, "minute": 22}
